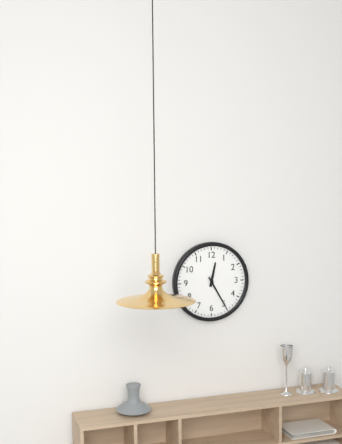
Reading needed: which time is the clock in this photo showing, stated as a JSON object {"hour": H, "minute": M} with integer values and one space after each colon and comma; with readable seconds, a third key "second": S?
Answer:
{"hour": 12, "minute": 25}
